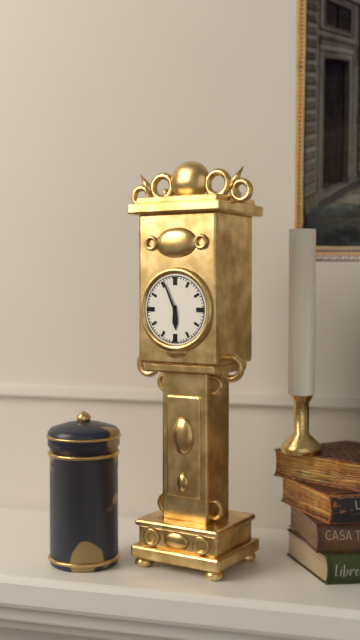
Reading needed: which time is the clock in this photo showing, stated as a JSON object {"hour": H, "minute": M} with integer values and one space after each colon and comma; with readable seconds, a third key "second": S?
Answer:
{"hour": 5, "minute": 56}
